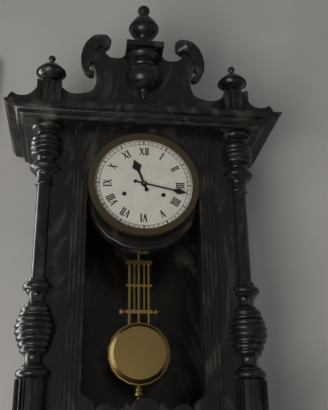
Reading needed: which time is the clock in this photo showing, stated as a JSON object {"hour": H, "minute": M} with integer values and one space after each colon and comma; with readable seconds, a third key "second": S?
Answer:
{"hour": 11, "minute": 17}
